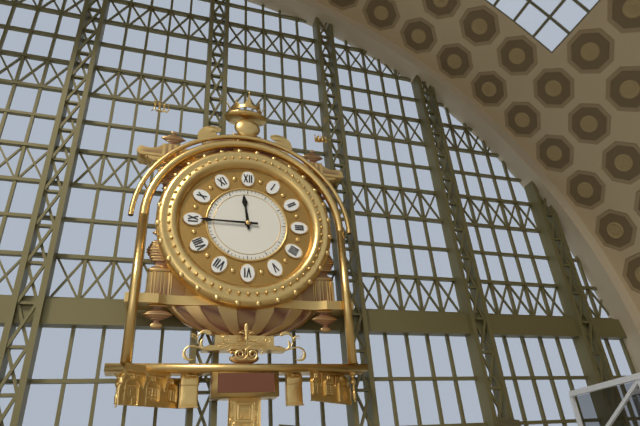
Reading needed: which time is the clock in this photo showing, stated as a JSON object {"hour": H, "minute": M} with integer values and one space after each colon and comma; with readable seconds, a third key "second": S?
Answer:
{"hour": 11, "minute": 45}
